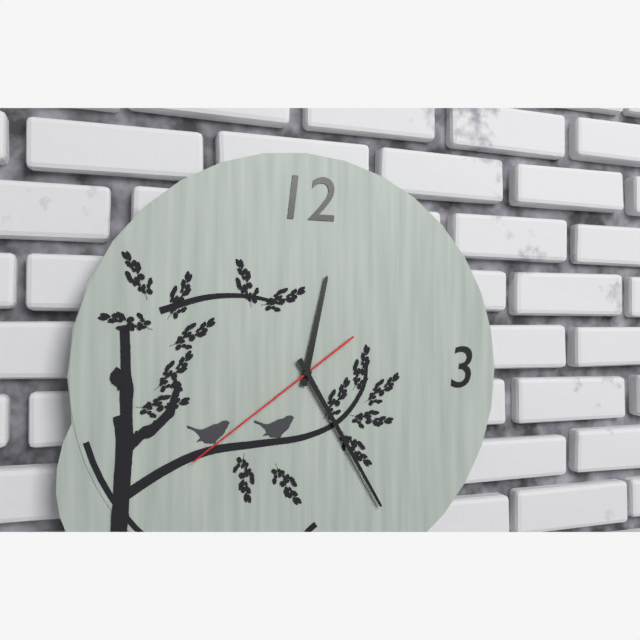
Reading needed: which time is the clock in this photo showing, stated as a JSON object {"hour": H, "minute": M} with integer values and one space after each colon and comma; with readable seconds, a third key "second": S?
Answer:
{"hour": 12, "minute": 25, "second": 39}
